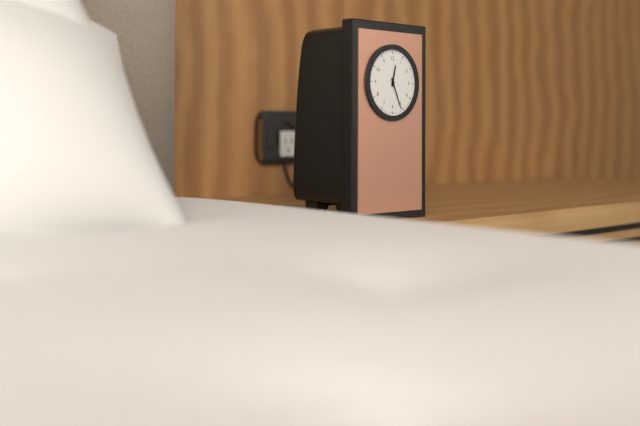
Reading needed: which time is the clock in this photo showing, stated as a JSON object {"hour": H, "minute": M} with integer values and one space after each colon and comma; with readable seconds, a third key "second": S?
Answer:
{"hour": 12, "minute": 26}
